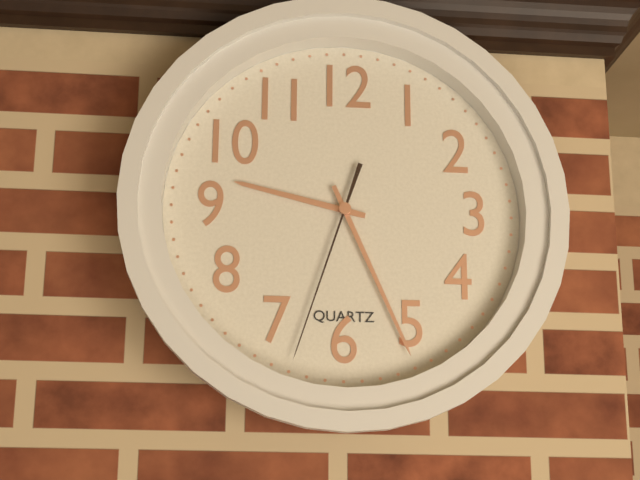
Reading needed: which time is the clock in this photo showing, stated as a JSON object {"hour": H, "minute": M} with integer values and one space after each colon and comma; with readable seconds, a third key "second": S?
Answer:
{"hour": 9, "minute": 26, "second": 33}
